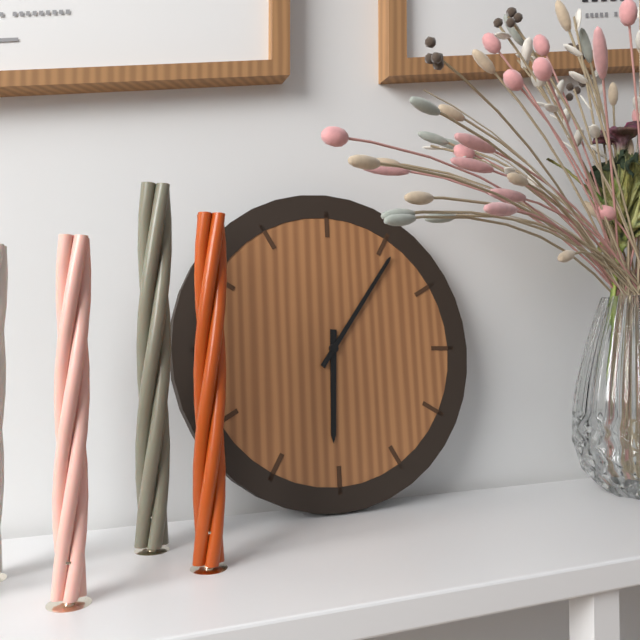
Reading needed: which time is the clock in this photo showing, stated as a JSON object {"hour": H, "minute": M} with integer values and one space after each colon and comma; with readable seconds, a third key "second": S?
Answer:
{"hour": 6, "minute": 6}
